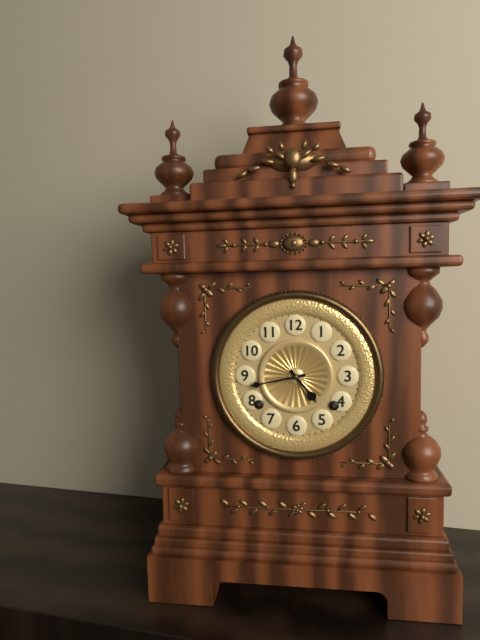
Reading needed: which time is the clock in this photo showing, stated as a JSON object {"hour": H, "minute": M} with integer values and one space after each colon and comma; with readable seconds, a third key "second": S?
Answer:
{"hour": 4, "minute": 43}
